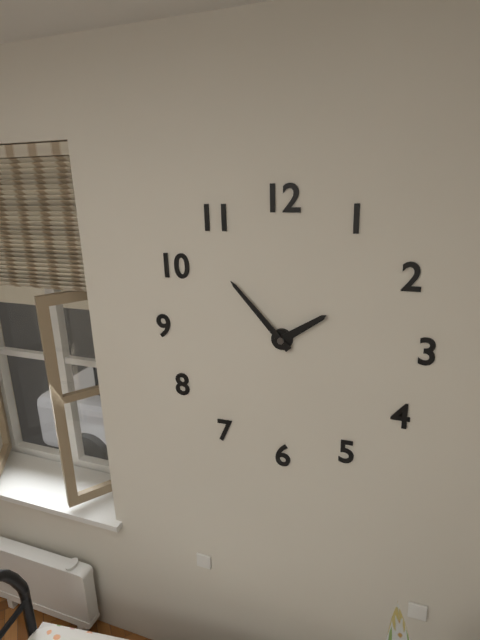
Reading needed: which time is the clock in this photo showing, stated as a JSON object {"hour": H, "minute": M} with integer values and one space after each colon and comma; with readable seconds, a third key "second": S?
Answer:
{"hour": 1, "minute": 53}
